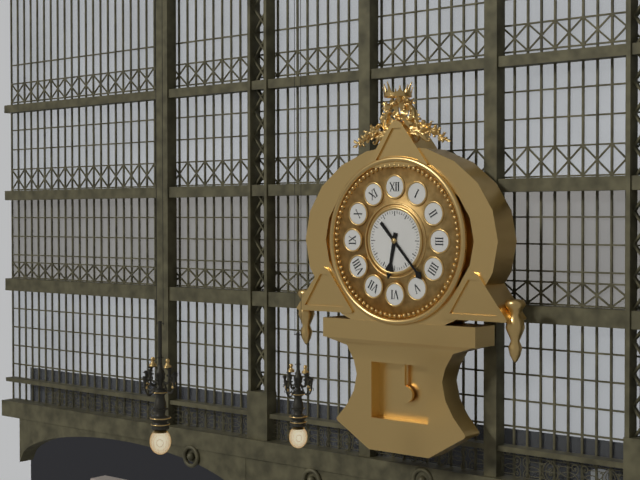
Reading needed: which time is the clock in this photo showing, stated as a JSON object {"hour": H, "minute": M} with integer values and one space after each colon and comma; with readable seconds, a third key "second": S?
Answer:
{"hour": 6, "minute": 23}
